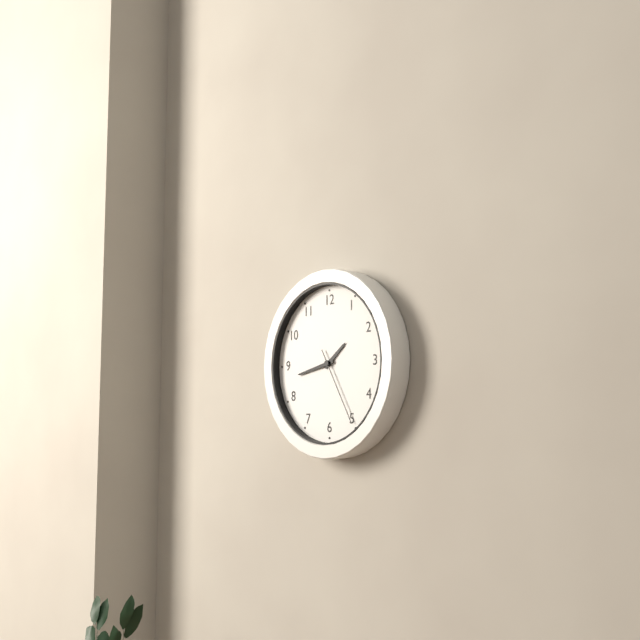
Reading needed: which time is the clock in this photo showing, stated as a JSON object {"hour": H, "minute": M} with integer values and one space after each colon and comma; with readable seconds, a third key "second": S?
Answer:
{"hour": 1, "minute": 43, "second": 25}
